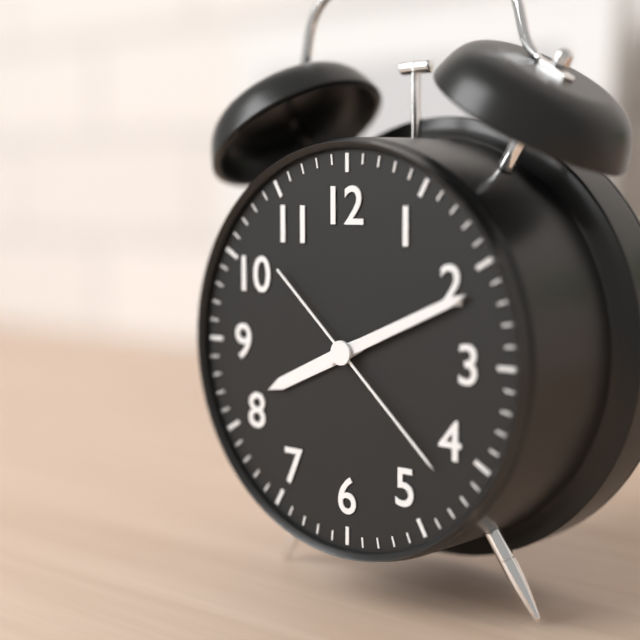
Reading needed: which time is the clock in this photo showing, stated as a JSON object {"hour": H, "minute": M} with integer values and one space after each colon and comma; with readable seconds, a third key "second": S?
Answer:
{"hour": 8, "minute": 11, "second": 22}
